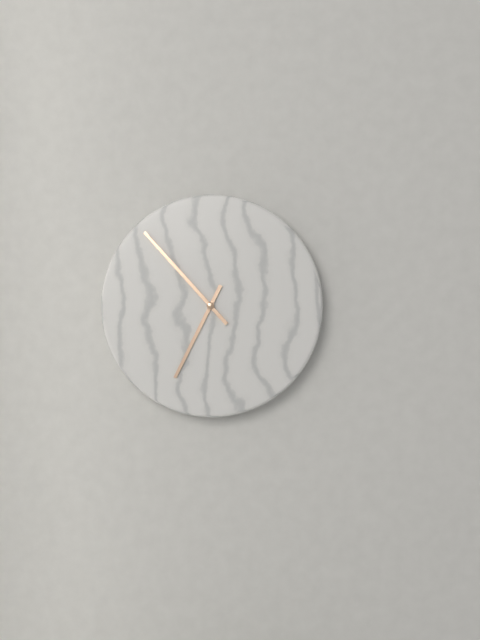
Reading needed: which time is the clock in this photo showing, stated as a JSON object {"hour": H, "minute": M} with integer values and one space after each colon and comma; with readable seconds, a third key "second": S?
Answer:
{"hour": 6, "minute": 53}
